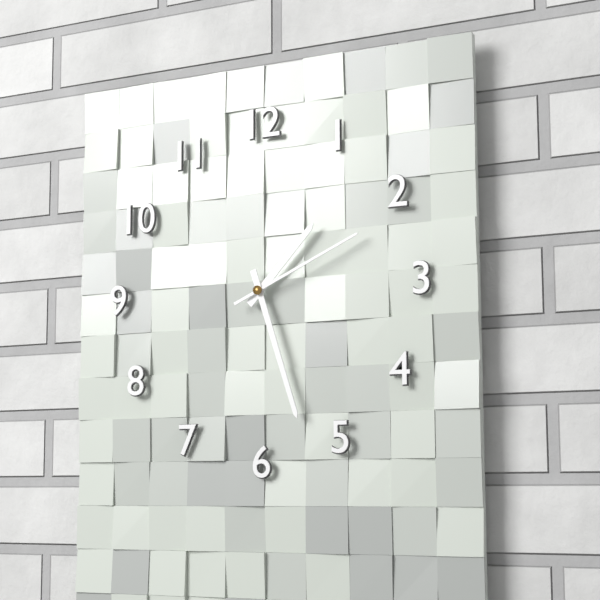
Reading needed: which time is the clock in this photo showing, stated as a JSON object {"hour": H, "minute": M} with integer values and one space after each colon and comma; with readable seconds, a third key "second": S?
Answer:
{"hour": 1, "minute": 27, "second": 11}
